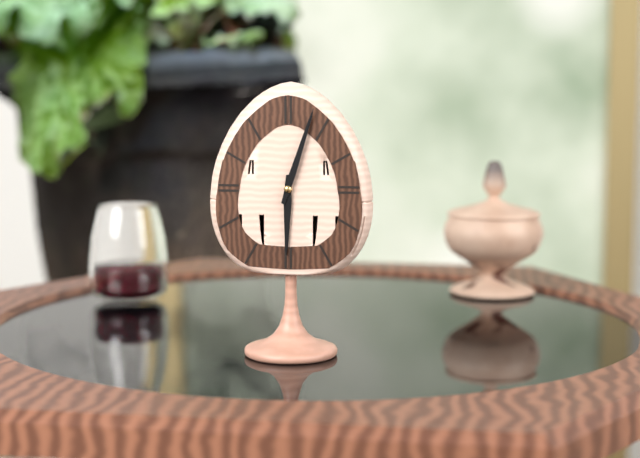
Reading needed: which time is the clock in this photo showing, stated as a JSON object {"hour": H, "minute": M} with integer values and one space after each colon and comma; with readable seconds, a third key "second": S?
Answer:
{"hour": 6, "minute": 3}
